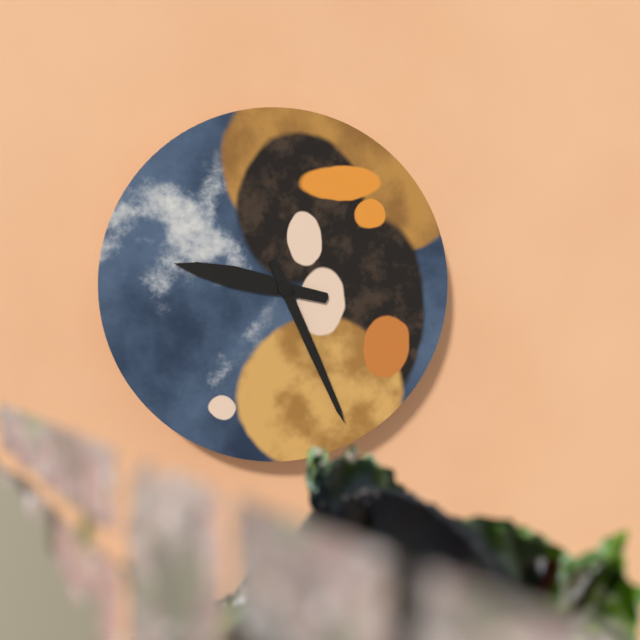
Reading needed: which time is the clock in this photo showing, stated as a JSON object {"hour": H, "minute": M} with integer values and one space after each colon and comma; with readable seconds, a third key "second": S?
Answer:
{"hour": 9, "minute": 26}
